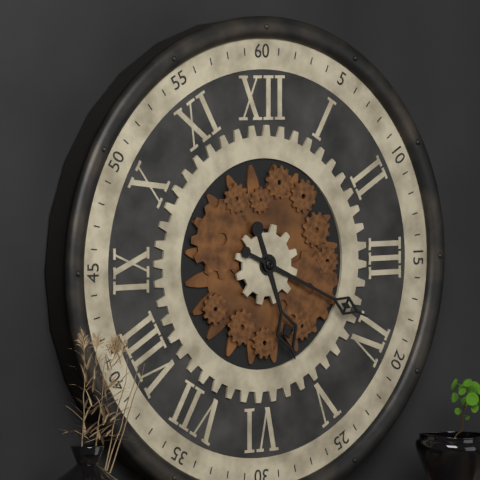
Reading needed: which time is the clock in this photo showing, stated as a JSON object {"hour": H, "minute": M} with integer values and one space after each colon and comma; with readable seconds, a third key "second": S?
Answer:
{"hour": 5, "minute": 19}
